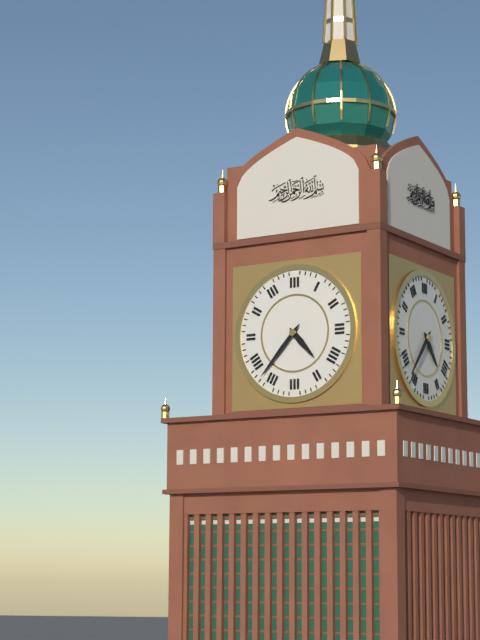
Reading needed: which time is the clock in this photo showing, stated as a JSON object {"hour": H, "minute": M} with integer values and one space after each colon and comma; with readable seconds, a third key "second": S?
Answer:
{"hour": 4, "minute": 37}
